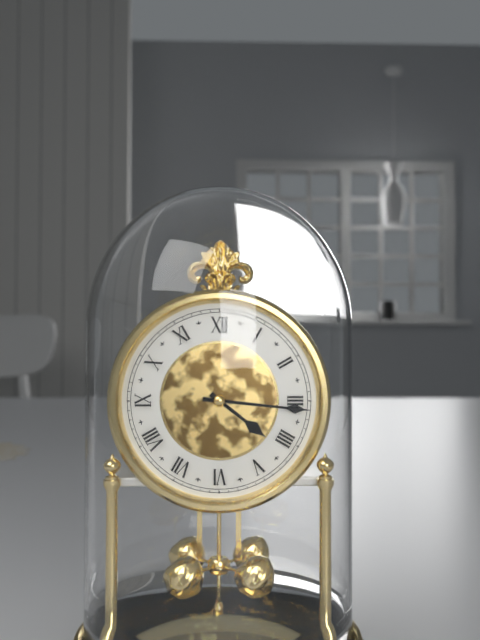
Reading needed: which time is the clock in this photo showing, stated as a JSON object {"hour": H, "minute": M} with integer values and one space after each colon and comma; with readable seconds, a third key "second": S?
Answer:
{"hour": 4, "minute": 16}
